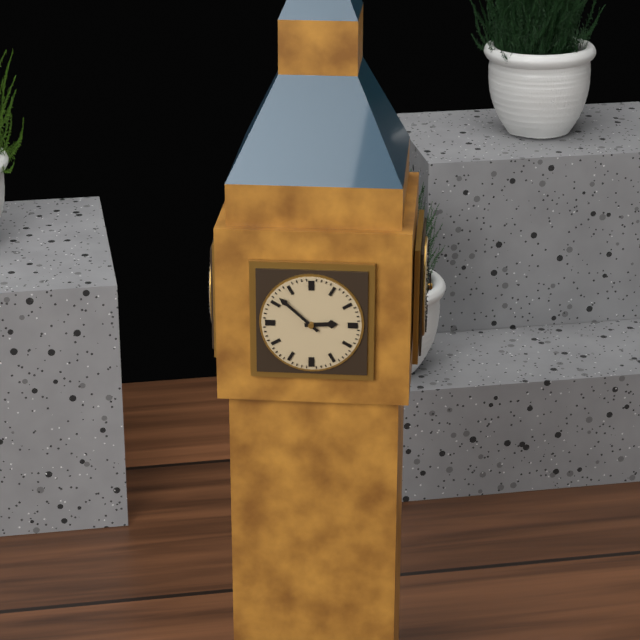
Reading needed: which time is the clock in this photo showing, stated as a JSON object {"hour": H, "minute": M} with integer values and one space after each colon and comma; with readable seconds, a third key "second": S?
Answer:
{"hour": 2, "minute": 52}
